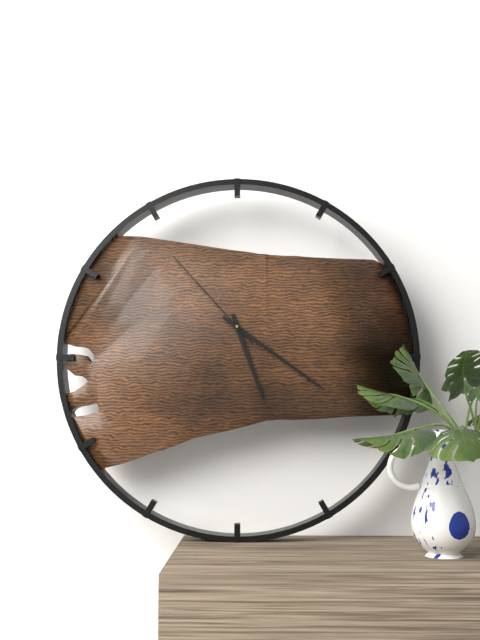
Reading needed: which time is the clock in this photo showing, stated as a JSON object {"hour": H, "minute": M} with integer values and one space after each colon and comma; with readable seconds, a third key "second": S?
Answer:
{"hour": 5, "minute": 21, "second": 53}
